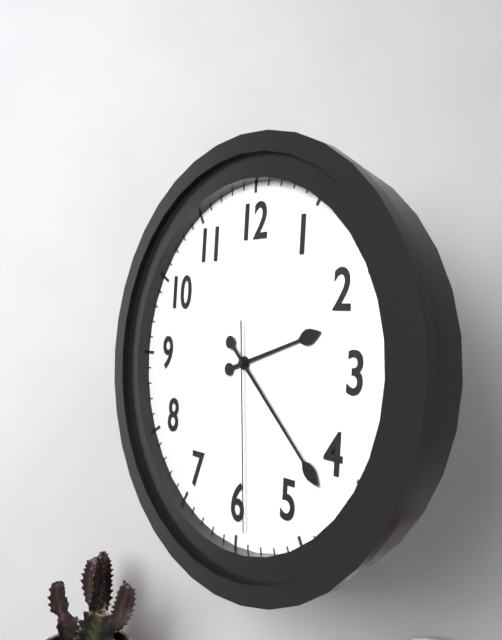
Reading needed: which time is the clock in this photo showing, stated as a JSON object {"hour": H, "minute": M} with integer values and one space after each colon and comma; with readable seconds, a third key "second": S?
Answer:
{"hour": 2, "minute": 22, "second": 29}
